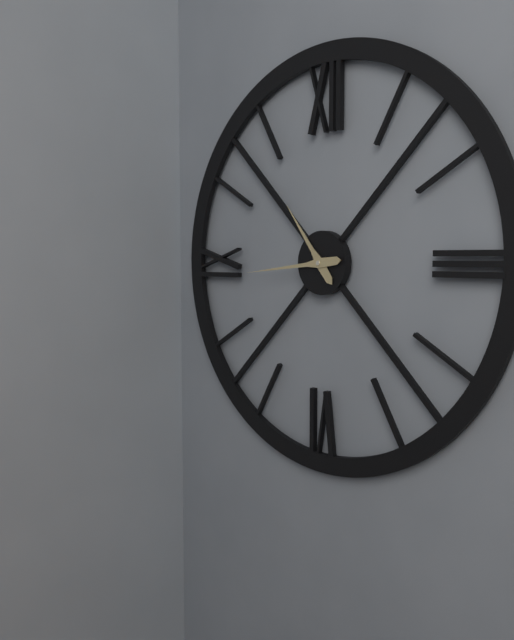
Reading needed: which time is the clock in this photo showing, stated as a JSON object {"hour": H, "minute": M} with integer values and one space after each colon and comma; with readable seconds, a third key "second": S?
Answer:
{"hour": 10, "minute": 44}
